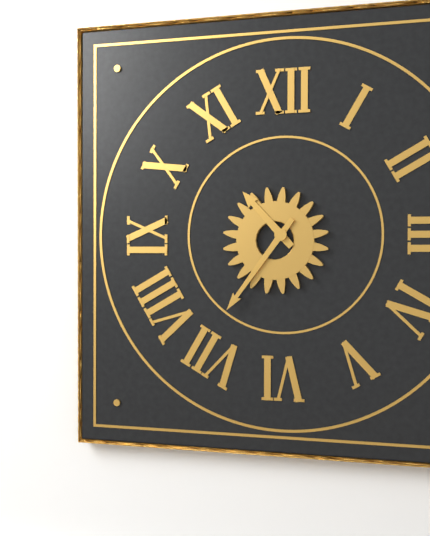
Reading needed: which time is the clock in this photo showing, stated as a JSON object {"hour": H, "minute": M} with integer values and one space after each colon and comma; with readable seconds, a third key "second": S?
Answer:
{"hour": 10, "minute": 36}
